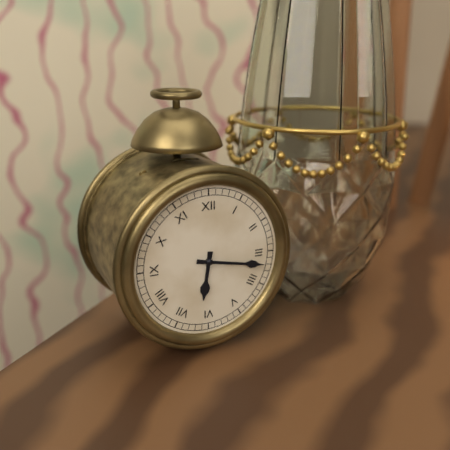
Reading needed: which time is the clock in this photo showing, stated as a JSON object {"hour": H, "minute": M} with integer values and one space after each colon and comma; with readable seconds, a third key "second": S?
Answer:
{"hour": 6, "minute": 17}
